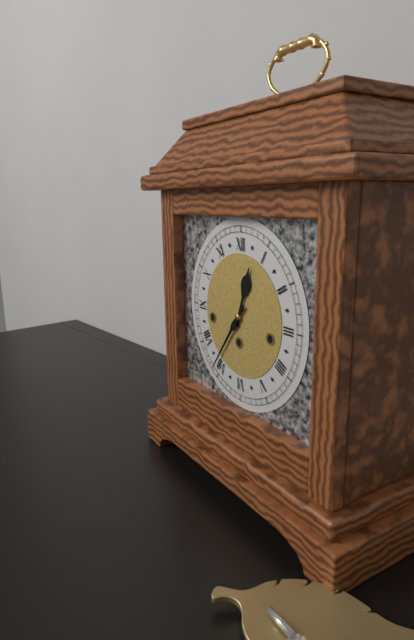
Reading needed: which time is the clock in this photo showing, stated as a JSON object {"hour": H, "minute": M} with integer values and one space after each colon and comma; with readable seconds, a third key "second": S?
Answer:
{"hour": 12, "minute": 36}
